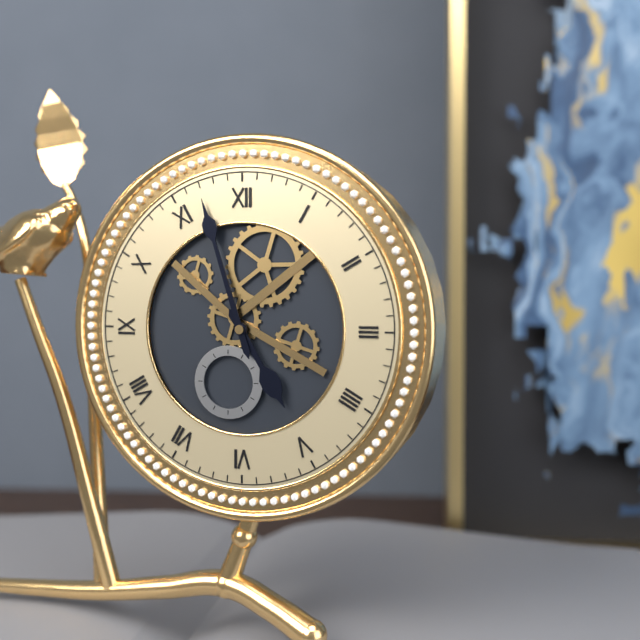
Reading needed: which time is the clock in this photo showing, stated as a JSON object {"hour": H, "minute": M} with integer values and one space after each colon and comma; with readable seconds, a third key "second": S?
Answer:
{"hour": 4, "minute": 57}
